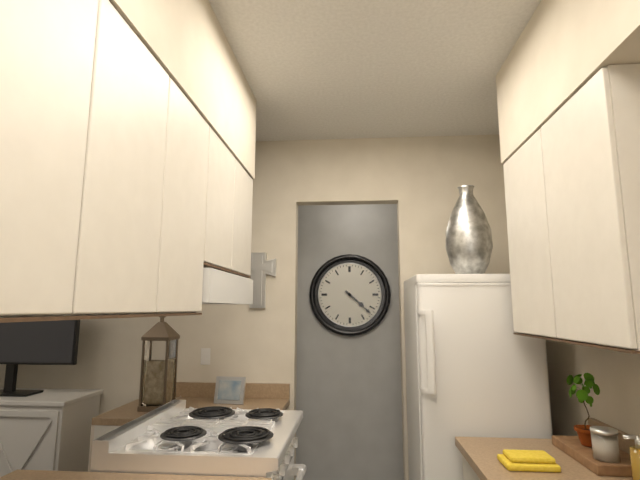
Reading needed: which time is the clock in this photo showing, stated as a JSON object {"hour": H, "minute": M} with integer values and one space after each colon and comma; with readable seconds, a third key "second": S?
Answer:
{"hour": 4, "minute": 22}
